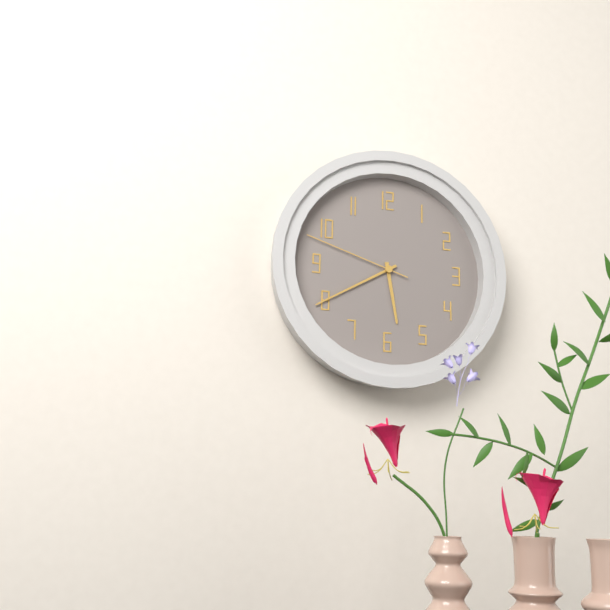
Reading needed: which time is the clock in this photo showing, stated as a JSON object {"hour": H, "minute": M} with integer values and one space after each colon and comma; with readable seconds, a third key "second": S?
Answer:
{"hour": 5, "minute": 40, "second": 48}
